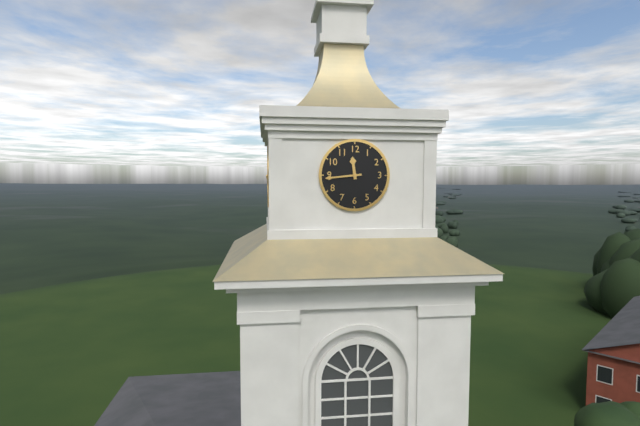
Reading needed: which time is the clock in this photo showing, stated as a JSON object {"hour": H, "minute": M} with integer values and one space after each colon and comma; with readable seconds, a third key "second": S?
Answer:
{"hour": 11, "minute": 44}
